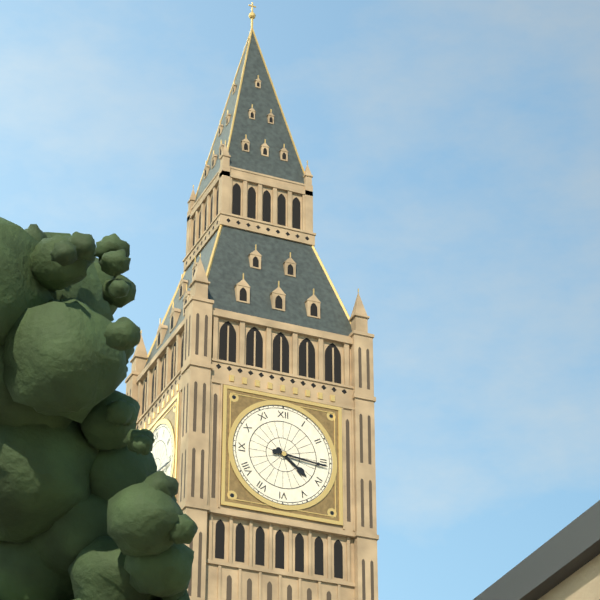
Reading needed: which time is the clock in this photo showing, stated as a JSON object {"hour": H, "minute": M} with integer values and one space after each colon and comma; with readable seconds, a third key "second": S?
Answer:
{"hour": 4, "minute": 16}
